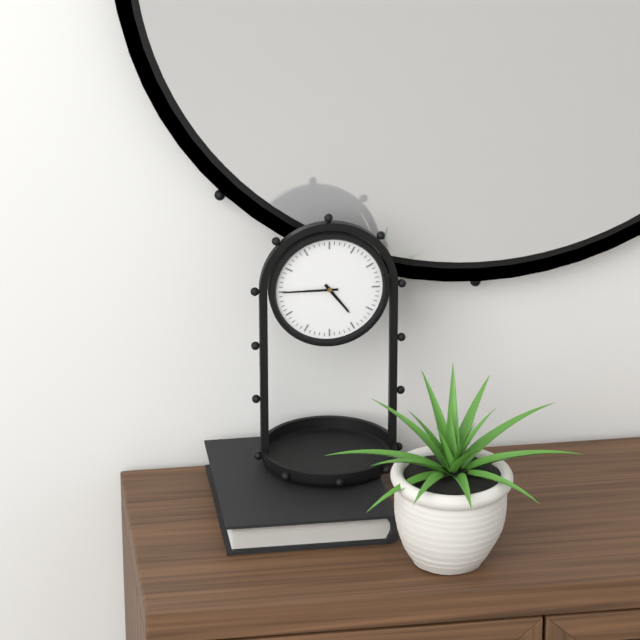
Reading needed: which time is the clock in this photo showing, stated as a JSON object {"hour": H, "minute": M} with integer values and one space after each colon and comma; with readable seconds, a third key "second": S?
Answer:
{"hour": 4, "minute": 45}
